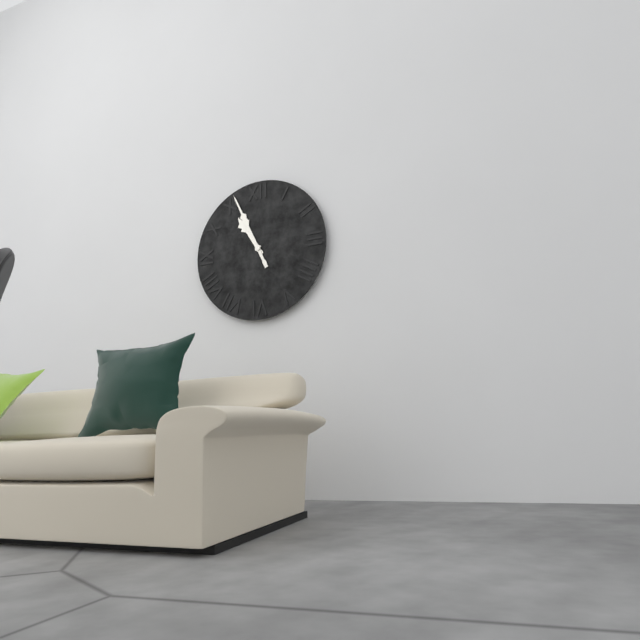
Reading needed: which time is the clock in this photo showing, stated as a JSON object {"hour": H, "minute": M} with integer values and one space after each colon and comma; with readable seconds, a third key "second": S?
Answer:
{"hour": 10, "minute": 56}
